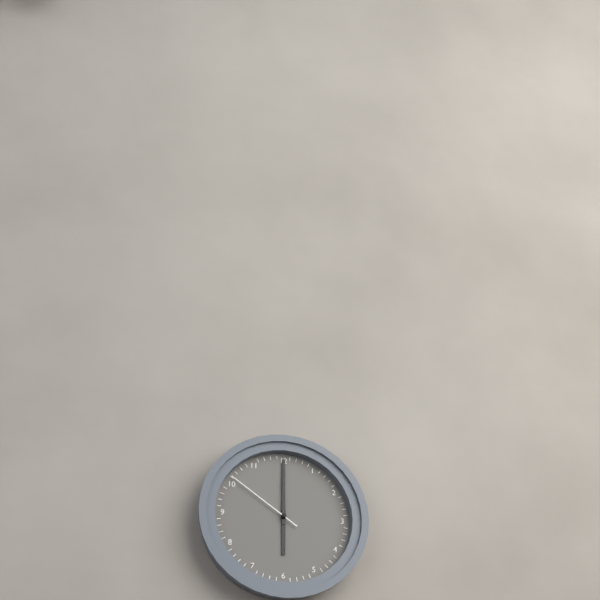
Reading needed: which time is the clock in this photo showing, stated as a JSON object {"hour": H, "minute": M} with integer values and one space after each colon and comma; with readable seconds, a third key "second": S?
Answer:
{"hour": 6, "minute": 0, "second": 51}
